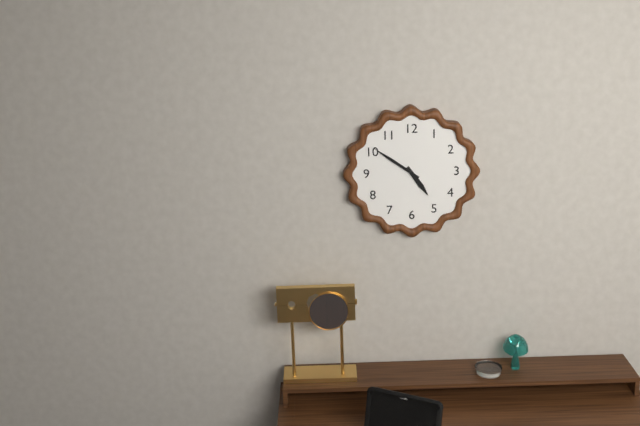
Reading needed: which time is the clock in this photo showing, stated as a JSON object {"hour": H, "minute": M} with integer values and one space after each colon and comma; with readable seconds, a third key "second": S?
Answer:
{"hour": 4, "minute": 51}
